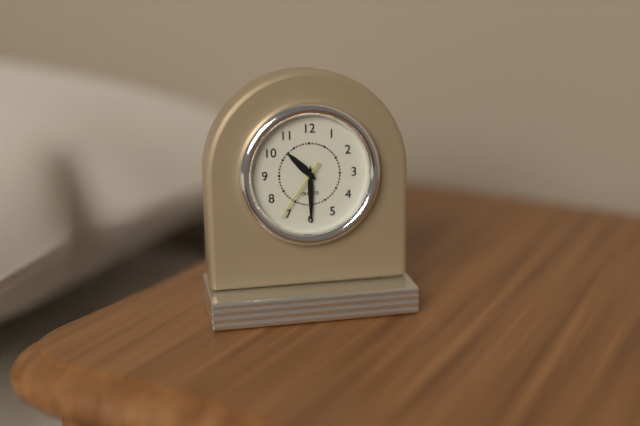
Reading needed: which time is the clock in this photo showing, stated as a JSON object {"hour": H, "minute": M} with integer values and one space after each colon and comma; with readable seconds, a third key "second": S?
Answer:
{"hour": 10, "minute": 30, "second": 36}
